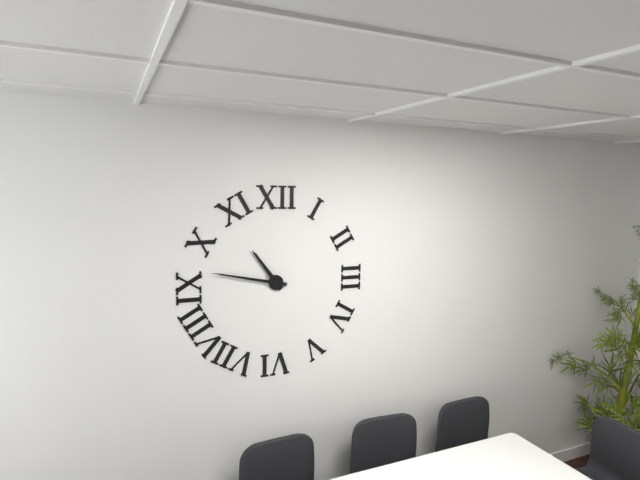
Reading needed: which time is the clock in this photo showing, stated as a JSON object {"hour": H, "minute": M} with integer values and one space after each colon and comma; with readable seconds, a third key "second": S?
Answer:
{"hour": 10, "minute": 47}
